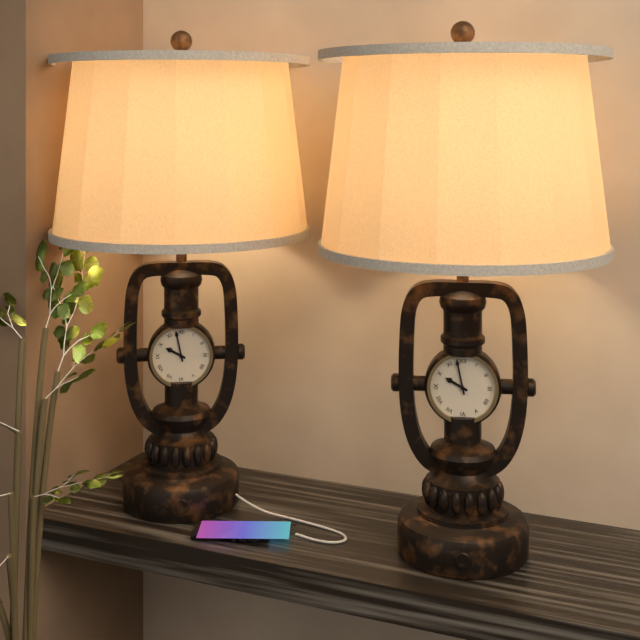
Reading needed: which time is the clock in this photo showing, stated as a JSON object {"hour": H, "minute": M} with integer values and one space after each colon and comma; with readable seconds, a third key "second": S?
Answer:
{"hour": 9, "minute": 58}
